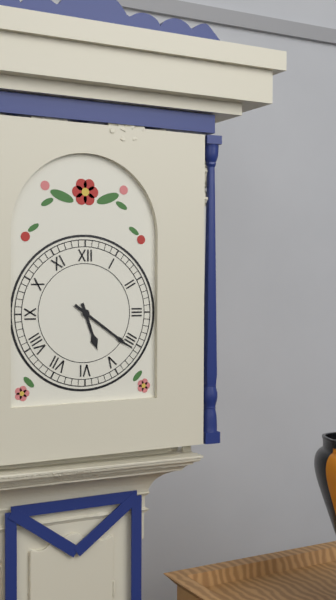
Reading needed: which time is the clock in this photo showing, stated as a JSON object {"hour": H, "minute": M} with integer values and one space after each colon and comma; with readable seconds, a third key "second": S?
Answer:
{"hour": 5, "minute": 21}
